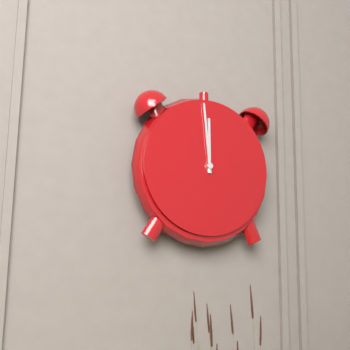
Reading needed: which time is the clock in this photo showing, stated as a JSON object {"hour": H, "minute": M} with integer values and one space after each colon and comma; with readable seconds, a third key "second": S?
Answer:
{"hour": 11, "minute": 59}
